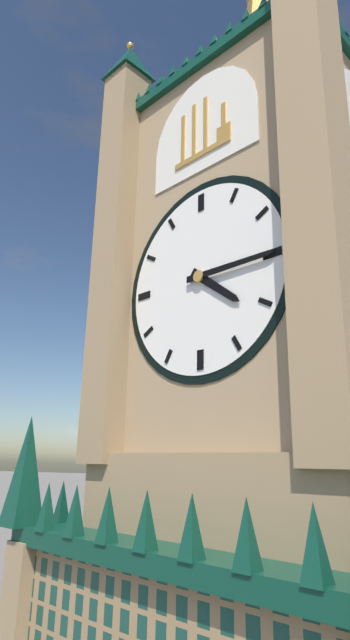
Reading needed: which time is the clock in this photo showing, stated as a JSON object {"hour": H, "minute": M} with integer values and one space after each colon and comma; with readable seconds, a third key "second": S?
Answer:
{"hour": 4, "minute": 15}
